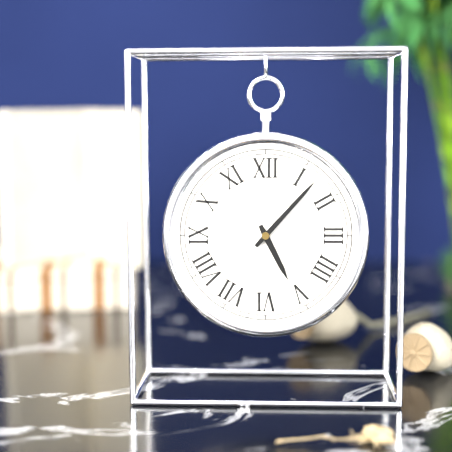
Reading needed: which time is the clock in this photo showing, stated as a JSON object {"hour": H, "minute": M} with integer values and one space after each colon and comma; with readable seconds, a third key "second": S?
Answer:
{"hour": 5, "minute": 7}
